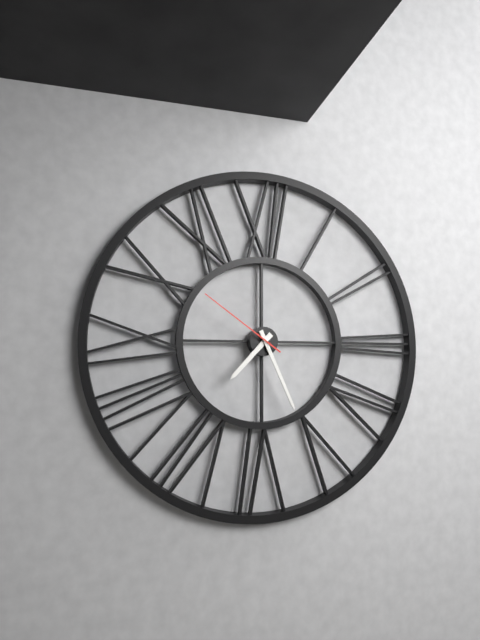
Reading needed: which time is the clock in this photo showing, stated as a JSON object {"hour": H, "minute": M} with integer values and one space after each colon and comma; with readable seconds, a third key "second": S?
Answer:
{"hour": 7, "minute": 26, "second": 51}
